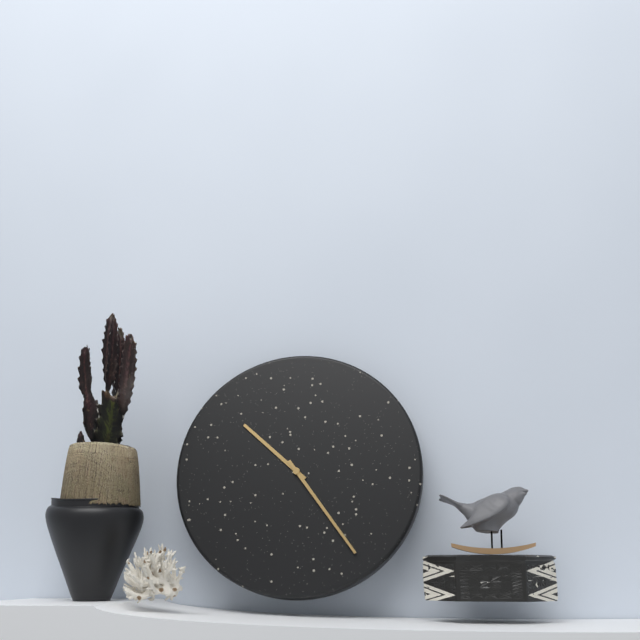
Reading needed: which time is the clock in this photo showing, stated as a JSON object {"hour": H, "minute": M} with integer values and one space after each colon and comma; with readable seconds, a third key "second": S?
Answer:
{"hour": 10, "minute": 24}
